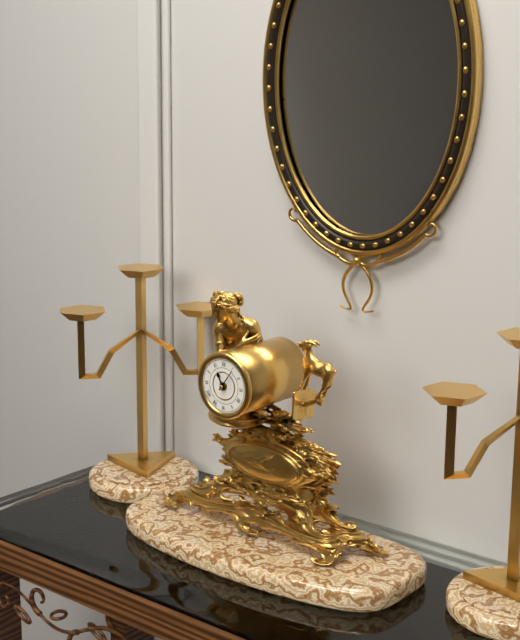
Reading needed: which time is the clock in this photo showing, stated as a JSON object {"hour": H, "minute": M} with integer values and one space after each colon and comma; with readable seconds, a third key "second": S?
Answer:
{"hour": 11, "minute": 6}
